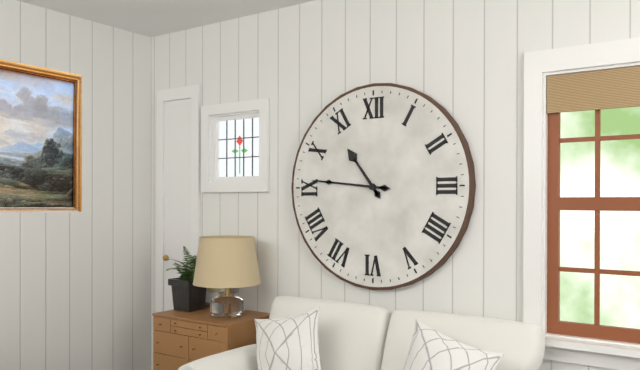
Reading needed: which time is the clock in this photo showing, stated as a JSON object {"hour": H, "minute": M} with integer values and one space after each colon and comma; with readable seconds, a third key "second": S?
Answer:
{"hour": 10, "minute": 46}
